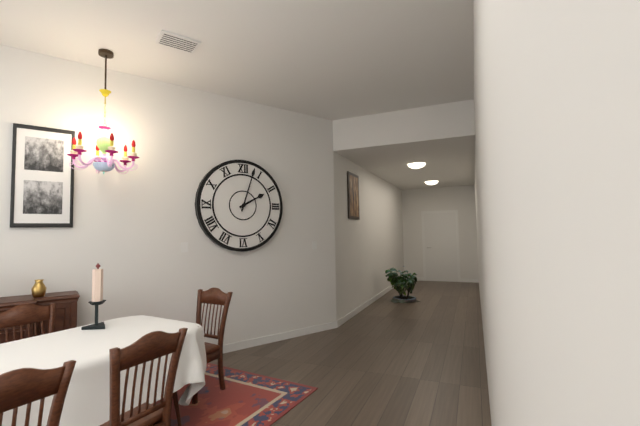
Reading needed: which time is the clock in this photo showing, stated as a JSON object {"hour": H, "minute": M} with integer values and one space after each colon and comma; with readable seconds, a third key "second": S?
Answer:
{"hour": 2, "minute": 3}
